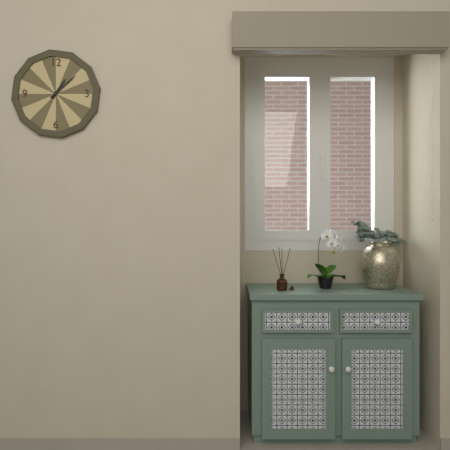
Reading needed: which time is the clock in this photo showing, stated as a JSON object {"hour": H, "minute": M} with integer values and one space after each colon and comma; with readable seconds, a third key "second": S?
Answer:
{"hour": 1, "minute": 8}
